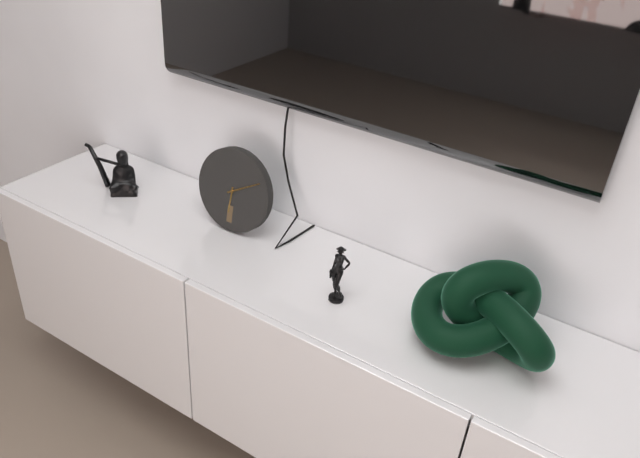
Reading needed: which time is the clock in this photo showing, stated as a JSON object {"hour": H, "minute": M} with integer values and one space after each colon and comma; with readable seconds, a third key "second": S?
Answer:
{"hour": 6, "minute": 10}
